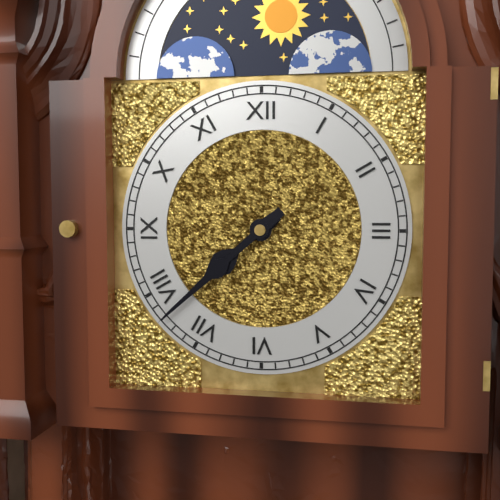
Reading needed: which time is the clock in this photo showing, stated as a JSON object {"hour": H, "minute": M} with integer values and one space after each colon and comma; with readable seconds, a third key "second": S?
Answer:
{"hour": 7, "minute": 38}
